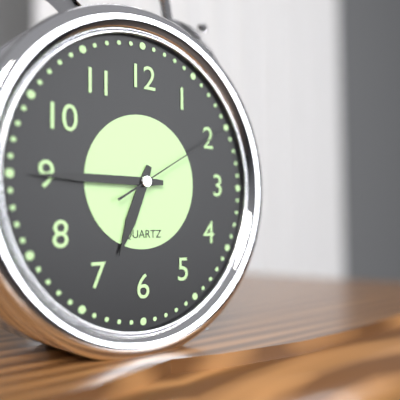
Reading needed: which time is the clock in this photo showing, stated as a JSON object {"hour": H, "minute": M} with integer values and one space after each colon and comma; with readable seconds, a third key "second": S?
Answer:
{"hour": 6, "minute": 45, "second": 10}
